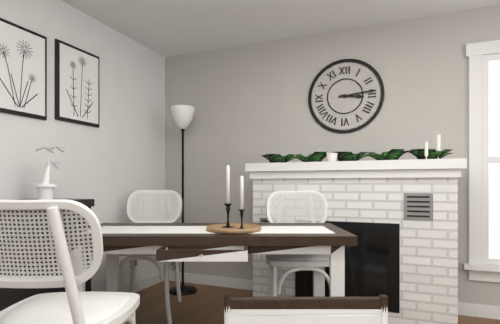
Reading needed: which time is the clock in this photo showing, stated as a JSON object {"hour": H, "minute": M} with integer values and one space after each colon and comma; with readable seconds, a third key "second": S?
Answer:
{"hour": 3, "minute": 14}
